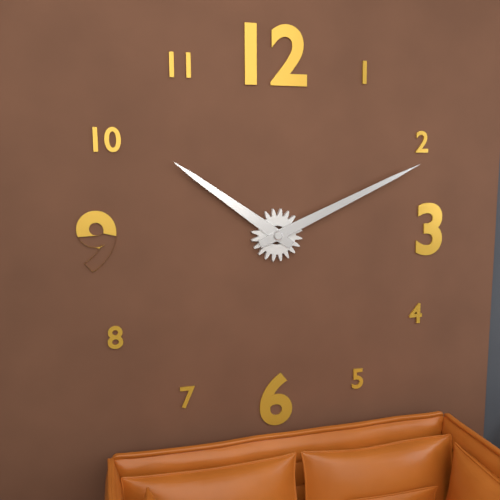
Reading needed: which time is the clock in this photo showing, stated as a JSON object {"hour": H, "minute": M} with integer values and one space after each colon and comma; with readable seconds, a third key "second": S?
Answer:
{"hour": 10, "minute": 11}
